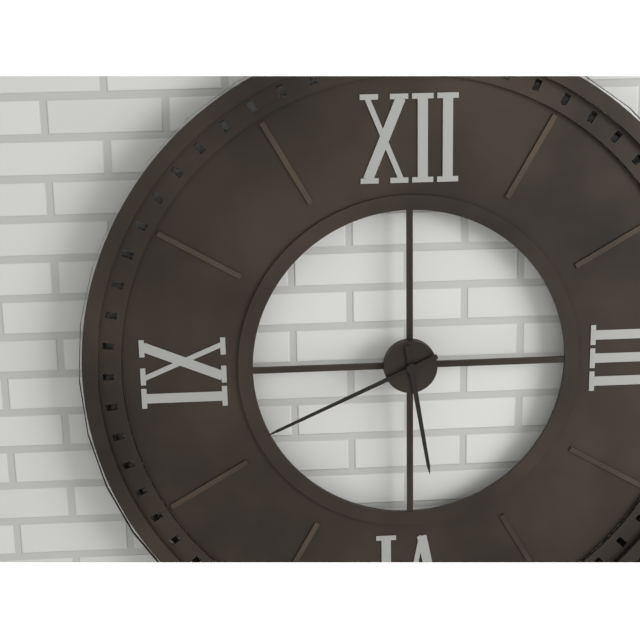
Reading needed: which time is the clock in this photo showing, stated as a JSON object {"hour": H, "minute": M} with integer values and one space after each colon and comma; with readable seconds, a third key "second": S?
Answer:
{"hour": 5, "minute": 41}
